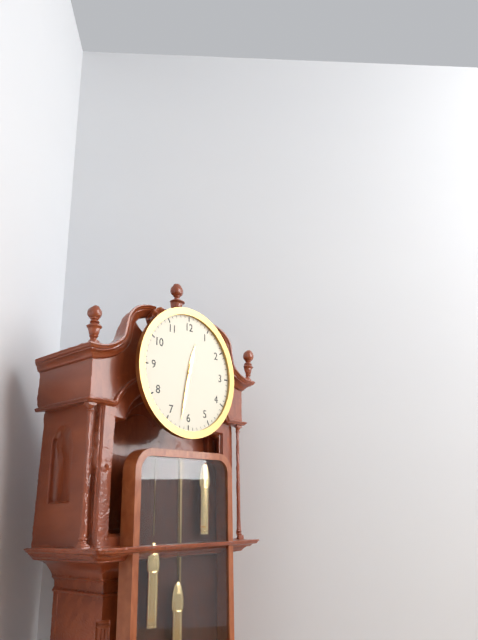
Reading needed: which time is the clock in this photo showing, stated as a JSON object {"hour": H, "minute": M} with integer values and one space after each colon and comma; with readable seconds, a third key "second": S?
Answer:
{"hour": 12, "minute": 32}
